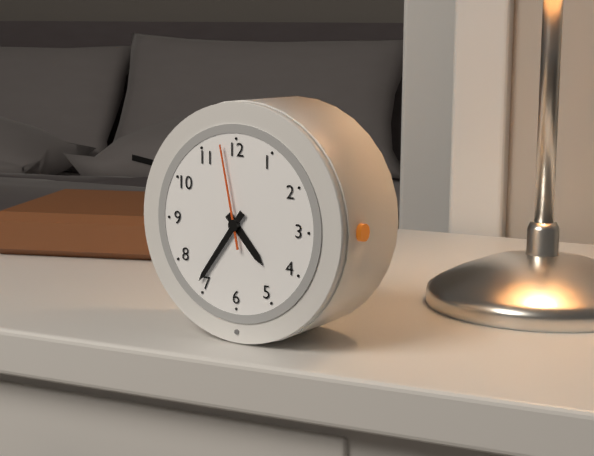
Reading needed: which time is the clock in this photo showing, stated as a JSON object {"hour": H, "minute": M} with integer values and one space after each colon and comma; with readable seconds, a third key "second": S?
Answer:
{"hour": 4, "minute": 36, "second": 58}
